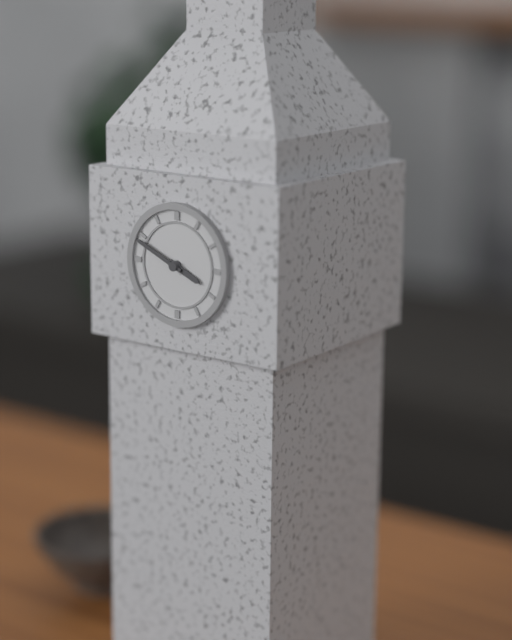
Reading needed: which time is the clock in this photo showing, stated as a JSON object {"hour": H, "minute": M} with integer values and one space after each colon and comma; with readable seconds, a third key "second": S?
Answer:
{"hour": 3, "minute": 49}
